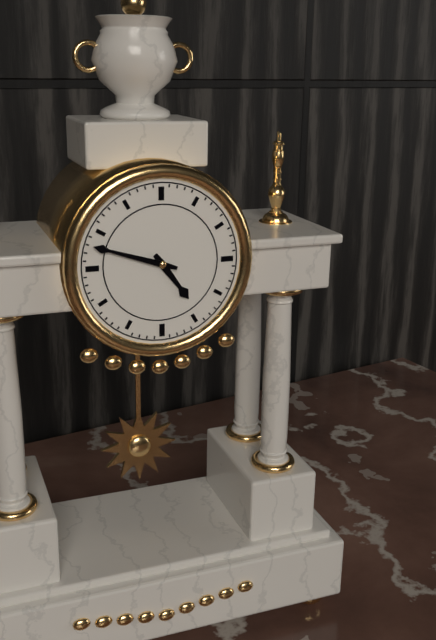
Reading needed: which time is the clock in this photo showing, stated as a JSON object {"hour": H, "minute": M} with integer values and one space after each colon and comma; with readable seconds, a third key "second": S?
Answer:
{"hour": 4, "minute": 48}
